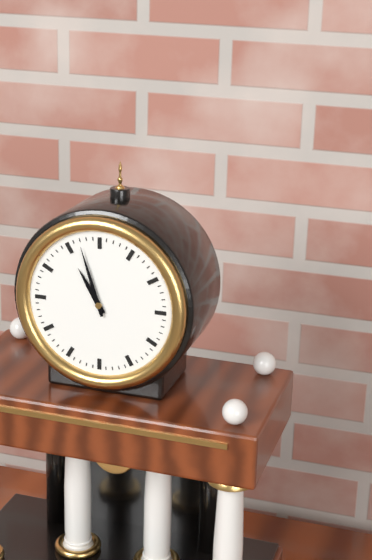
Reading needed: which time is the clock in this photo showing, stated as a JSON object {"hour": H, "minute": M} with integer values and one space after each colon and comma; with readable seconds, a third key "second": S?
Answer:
{"hour": 10, "minute": 57}
